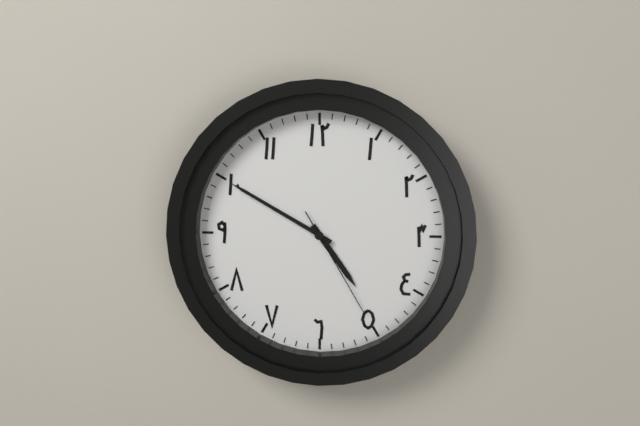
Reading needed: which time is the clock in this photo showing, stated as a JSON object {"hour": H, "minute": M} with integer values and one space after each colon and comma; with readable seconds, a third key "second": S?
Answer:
{"hour": 4, "minute": 50, "second": 25}
